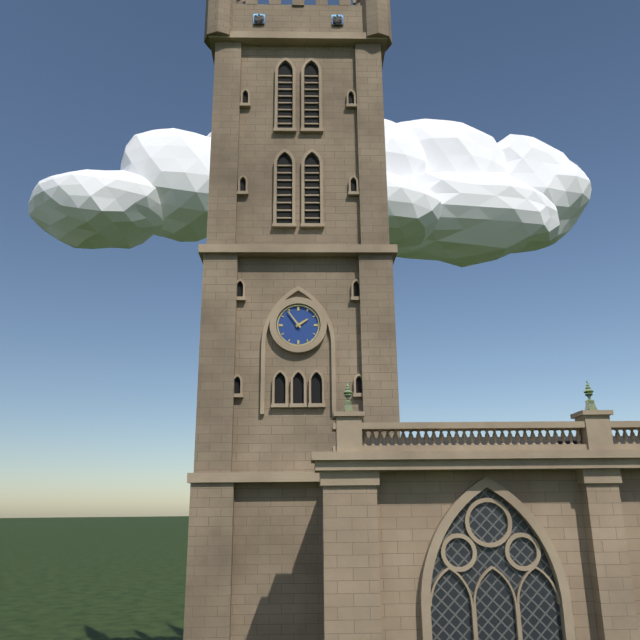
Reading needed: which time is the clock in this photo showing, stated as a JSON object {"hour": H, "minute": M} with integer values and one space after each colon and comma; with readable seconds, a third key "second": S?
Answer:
{"hour": 1, "minute": 54}
